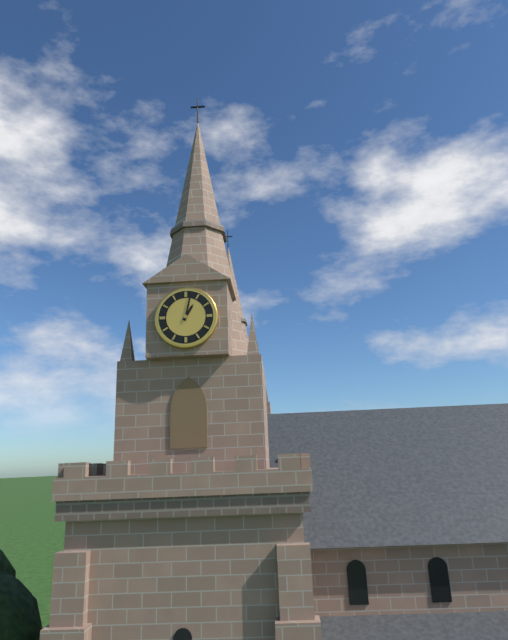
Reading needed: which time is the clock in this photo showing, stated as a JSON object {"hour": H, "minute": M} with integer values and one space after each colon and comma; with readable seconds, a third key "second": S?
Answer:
{"hour": 1, "minute": 2}
